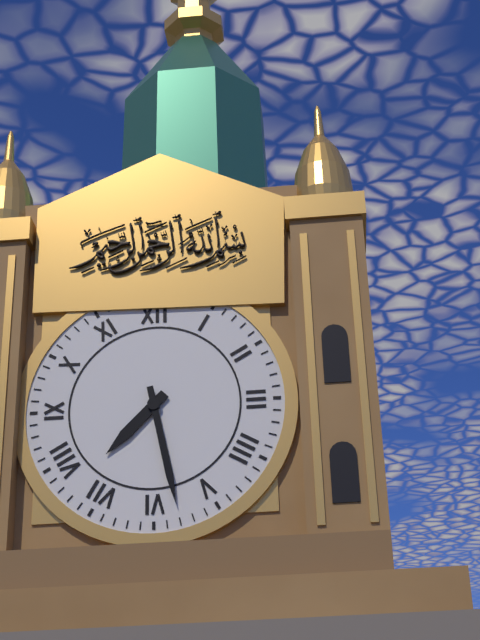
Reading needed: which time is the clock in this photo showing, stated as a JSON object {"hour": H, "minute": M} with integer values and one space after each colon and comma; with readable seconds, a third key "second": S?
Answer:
{"hour": 7, "minute": 28}
